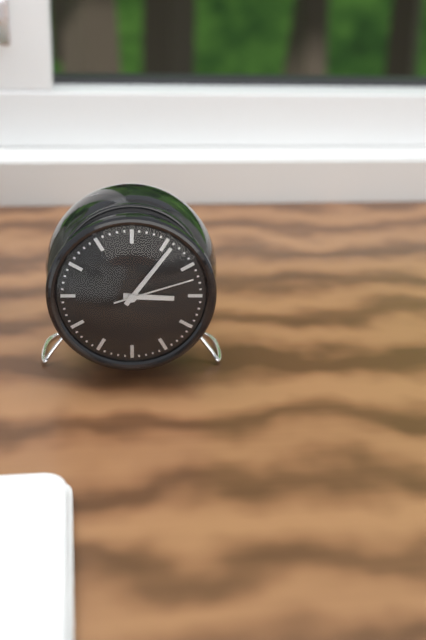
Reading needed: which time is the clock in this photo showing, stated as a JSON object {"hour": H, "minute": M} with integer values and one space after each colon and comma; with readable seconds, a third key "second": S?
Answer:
{"hour": 3, "minute": 6, "second": 12}
